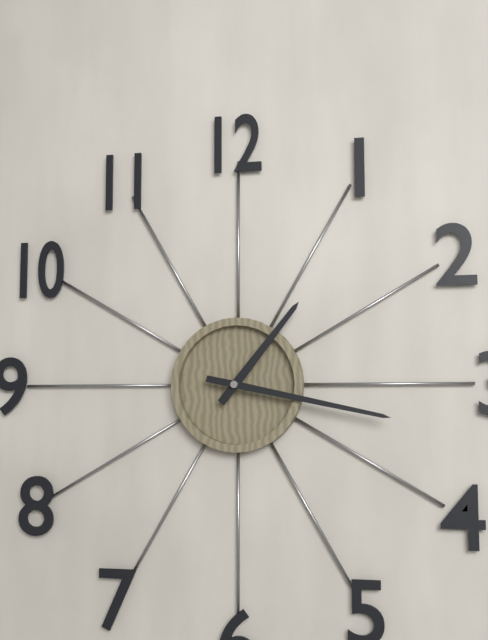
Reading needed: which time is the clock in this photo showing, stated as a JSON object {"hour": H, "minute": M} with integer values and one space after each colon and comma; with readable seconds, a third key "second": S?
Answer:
{"hour": 1, "minute": 17}
